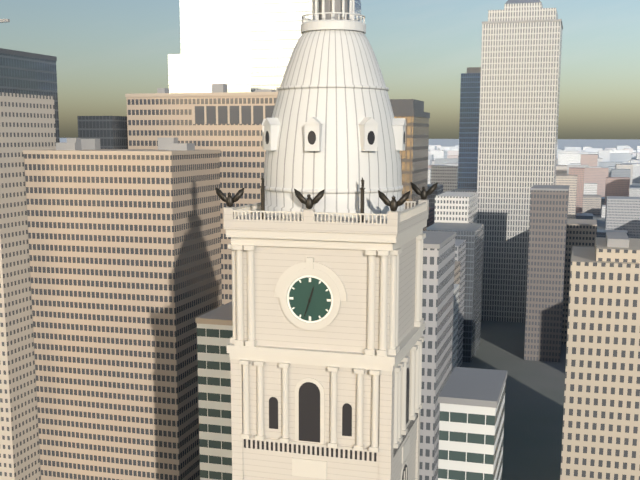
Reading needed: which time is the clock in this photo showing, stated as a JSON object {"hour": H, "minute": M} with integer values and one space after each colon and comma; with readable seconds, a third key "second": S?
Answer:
{"hour": 12, "minute": 33}
